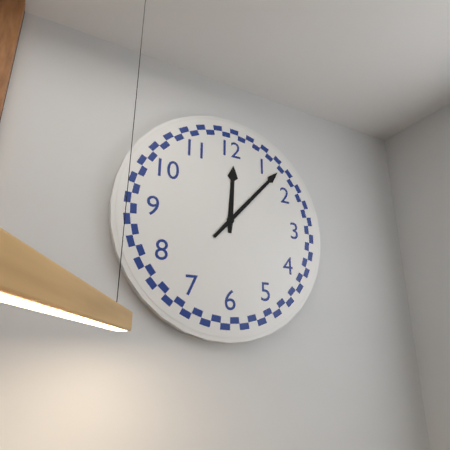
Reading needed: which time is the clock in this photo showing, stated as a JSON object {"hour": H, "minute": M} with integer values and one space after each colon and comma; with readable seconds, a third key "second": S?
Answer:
{"hour": 12, "minute": 7}
